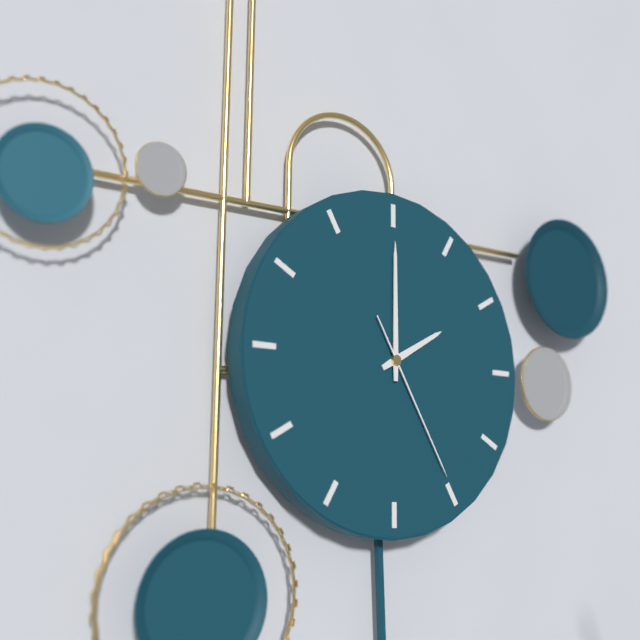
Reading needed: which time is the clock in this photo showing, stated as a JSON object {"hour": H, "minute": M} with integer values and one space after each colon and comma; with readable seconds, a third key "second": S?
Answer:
{"hour": 2, "minute": 0, "second": 25}
